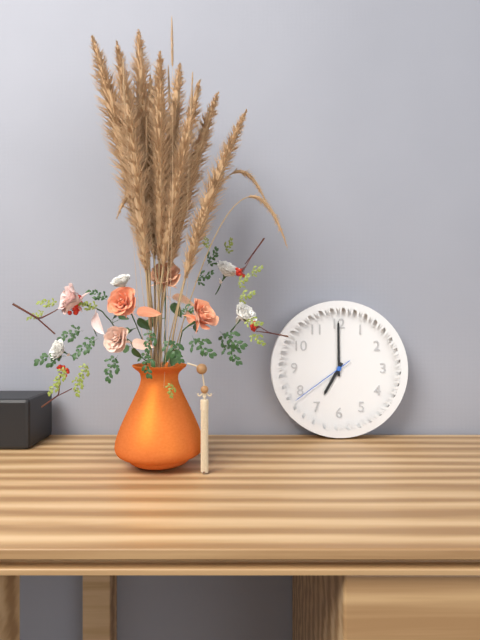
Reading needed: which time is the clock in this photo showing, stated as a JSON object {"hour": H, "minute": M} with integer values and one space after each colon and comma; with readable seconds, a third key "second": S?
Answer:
{"hour": 7, "minute": 0, "second": 39}
